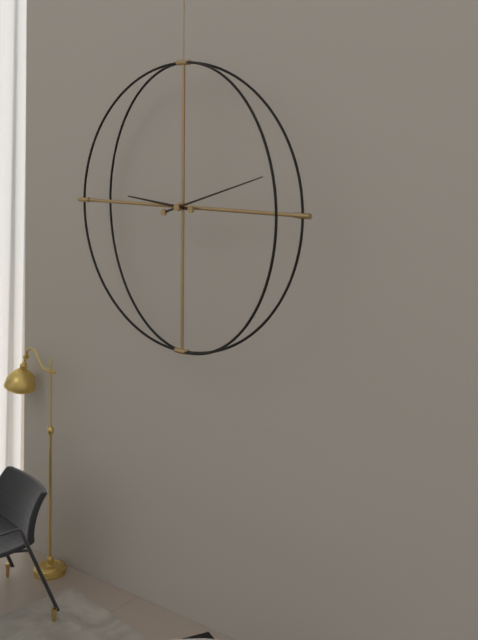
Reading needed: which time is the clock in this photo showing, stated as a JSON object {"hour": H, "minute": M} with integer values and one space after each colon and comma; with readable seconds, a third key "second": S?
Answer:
{"hour": 9, "minute": 12}
